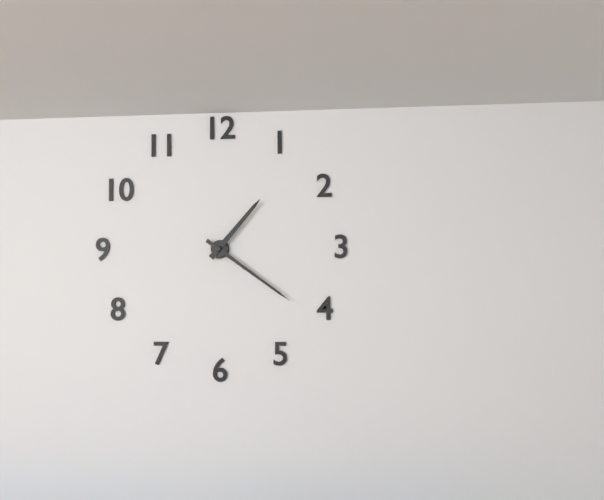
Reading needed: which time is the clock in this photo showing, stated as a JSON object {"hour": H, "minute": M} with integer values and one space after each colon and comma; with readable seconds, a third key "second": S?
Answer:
{"hour": 1, "minute": 21}
